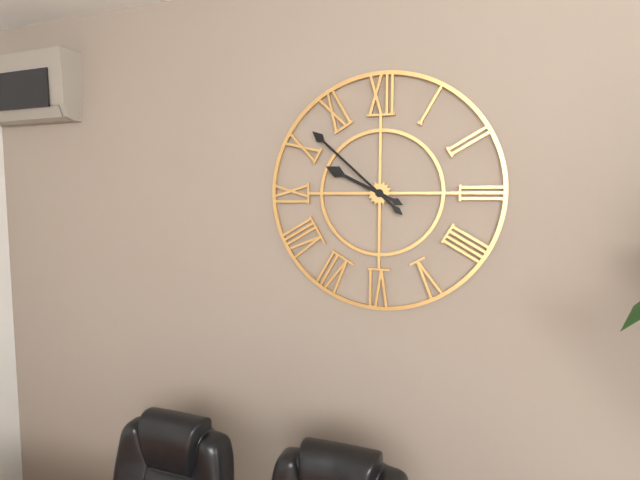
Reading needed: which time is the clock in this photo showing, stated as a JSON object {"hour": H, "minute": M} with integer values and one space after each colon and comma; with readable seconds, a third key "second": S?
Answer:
{"hour": 9, "minute": 52}
